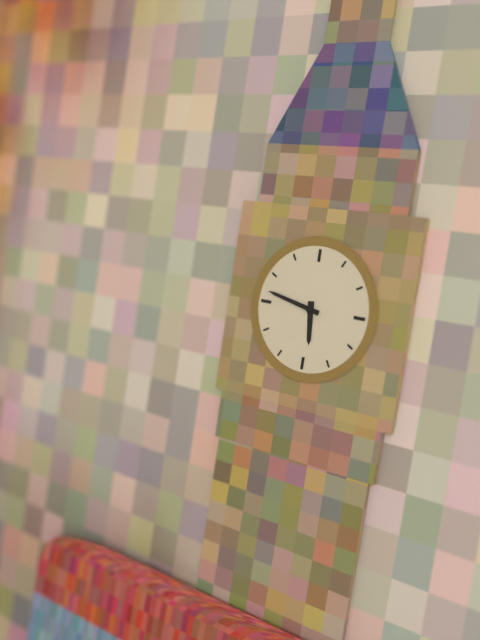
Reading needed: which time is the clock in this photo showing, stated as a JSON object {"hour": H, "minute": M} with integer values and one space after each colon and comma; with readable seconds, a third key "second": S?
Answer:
{"hour": 5, "minute": 47}
